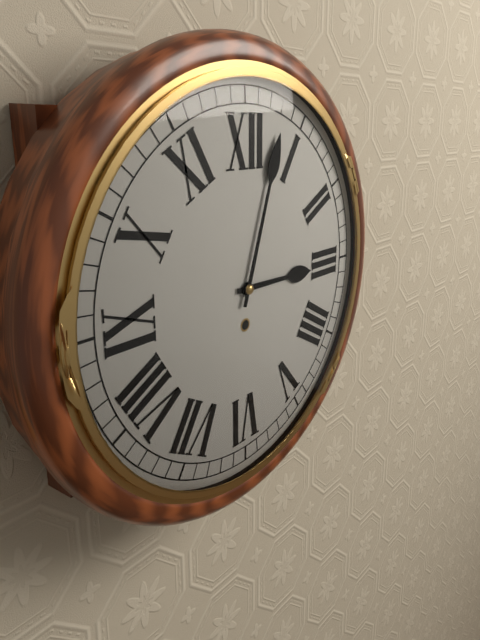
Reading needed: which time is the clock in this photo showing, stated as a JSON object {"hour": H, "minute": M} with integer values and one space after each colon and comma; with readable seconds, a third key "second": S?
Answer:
{"hour": 3, "minute": 3}
